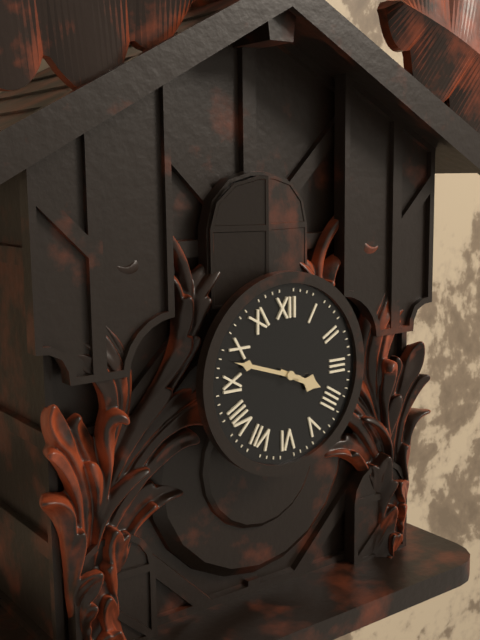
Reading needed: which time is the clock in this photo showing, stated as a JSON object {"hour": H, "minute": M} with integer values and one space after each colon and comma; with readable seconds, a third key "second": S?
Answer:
{"hour": 3, "minute": 48}
